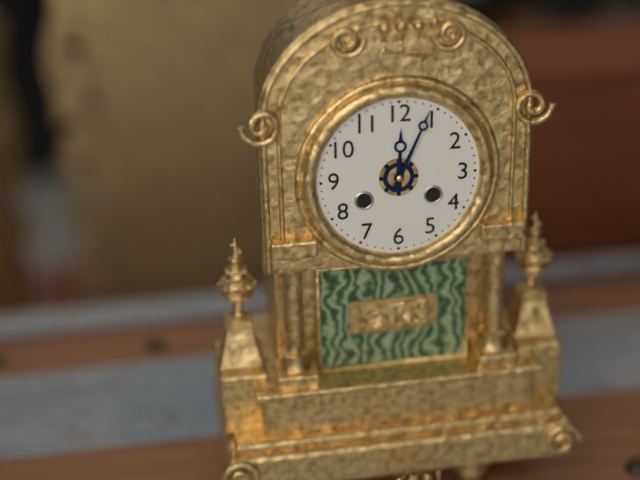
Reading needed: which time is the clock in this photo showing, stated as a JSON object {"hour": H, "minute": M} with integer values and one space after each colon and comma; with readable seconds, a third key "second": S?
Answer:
{"hour": 12, "minute": 4}
